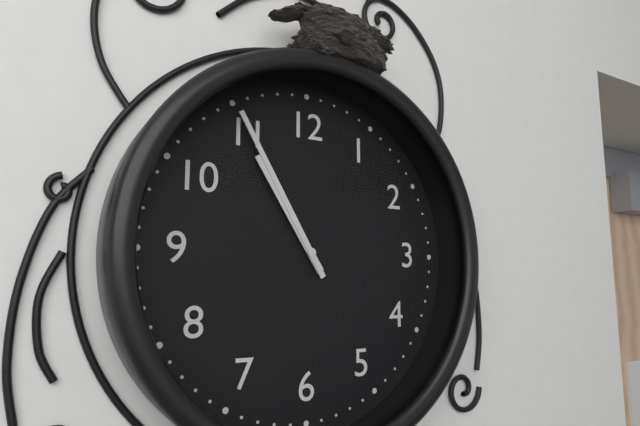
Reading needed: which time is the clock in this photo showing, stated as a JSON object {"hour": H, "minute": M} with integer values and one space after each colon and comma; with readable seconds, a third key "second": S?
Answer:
{"hour": 10, "minute": 55}
